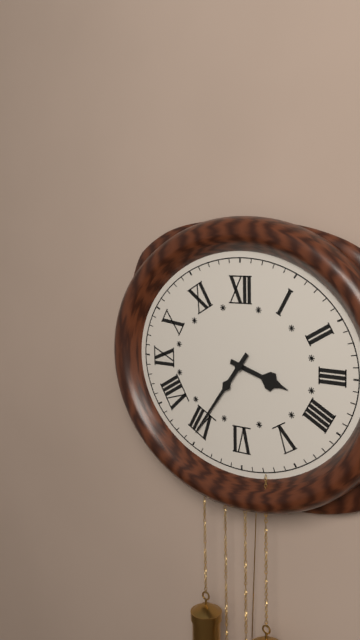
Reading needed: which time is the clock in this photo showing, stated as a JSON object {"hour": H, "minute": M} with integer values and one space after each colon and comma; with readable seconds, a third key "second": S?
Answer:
{"hour": 3, "minute": 36}
